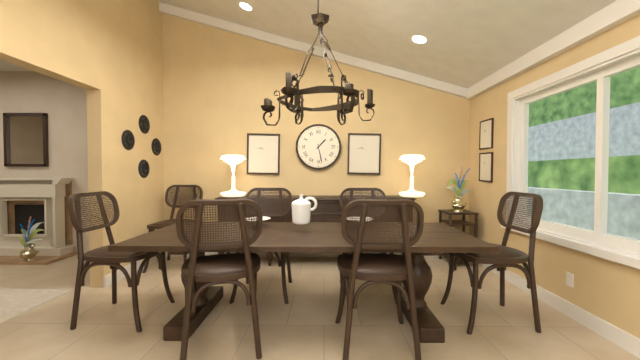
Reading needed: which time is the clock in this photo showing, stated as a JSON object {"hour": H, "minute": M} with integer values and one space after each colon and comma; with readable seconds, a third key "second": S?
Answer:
{"hour": 1, "minute": 28}
